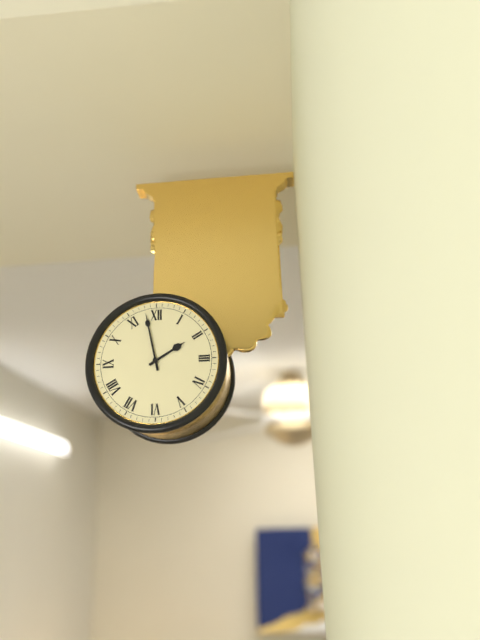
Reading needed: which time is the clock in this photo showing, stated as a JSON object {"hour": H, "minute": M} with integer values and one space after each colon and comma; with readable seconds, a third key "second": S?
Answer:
{"hour": 1, "minute": 58}
